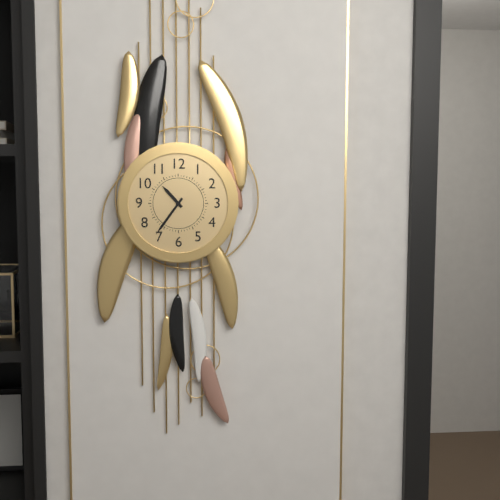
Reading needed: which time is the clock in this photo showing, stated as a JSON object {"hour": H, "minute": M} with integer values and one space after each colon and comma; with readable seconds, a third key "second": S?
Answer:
{"hour": 10, "minute": 36}
